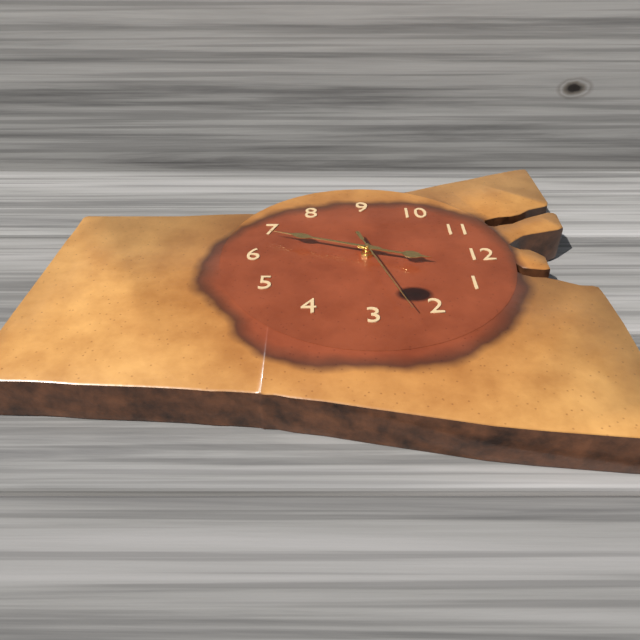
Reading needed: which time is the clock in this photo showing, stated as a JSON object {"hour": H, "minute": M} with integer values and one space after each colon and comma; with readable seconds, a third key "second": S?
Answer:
{"hour": 12, "minute": 33, "second": 12}
